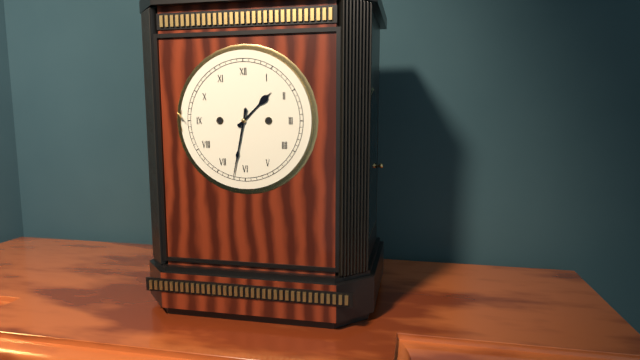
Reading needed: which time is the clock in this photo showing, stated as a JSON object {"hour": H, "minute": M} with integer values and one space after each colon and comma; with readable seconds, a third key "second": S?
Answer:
{"hour": 1, "minute": 32}
